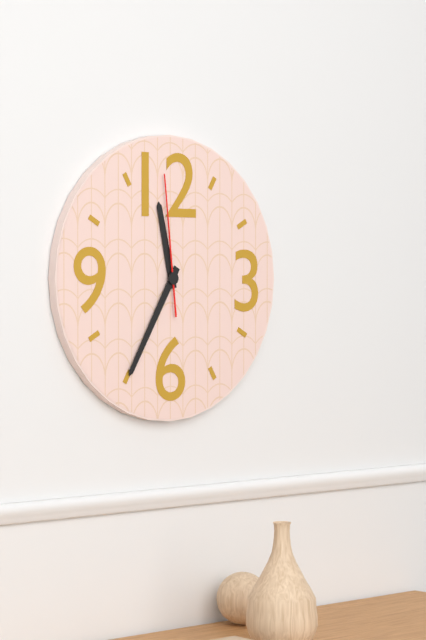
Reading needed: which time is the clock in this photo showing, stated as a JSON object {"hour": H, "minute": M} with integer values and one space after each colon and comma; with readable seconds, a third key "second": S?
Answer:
{"hour": 11, "minute": 35, "second": 59}
